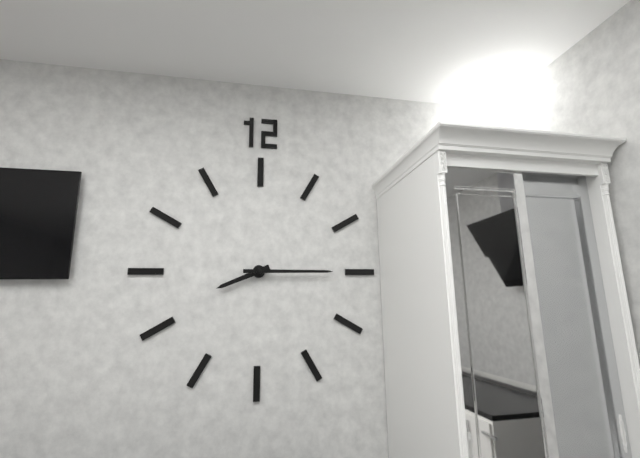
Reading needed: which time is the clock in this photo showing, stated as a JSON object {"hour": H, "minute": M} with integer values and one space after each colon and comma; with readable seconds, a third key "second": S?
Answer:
{"hour": 8, "minute": 15}
